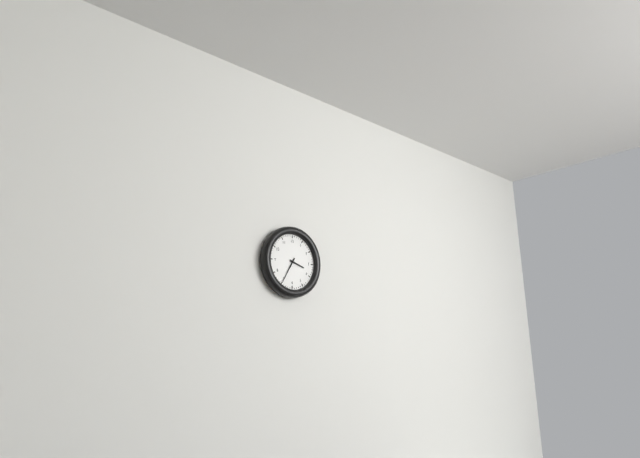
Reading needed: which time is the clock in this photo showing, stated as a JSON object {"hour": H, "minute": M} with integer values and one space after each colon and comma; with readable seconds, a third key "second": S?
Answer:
{"hour": 3, "minute": 35}
